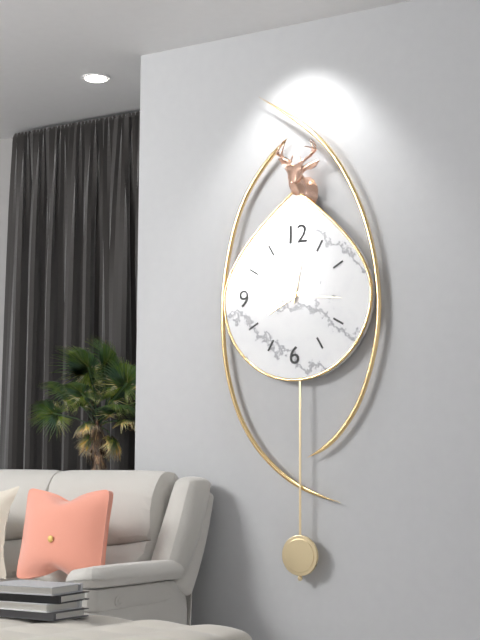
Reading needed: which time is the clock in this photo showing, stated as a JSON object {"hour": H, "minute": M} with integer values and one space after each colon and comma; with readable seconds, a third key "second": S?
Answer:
{"hour": 8, "minute": 2, "second": 16}
